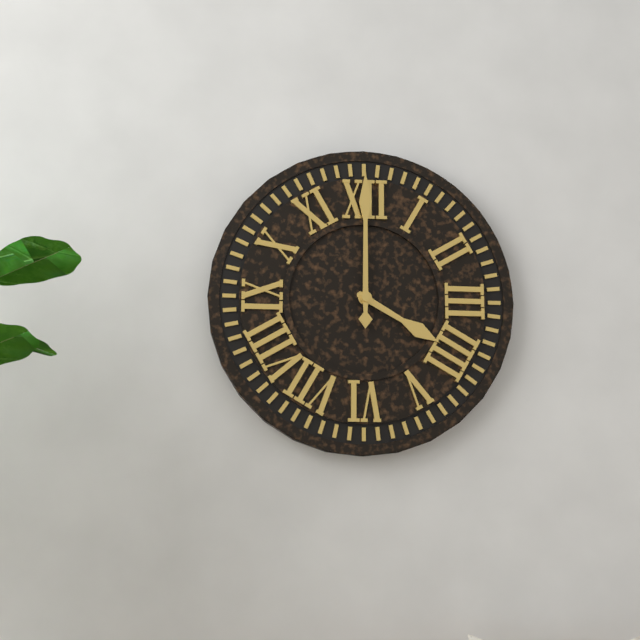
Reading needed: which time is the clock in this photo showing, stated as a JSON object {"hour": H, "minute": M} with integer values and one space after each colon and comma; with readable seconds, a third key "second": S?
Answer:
{"hour": 4, "minute": 0}
